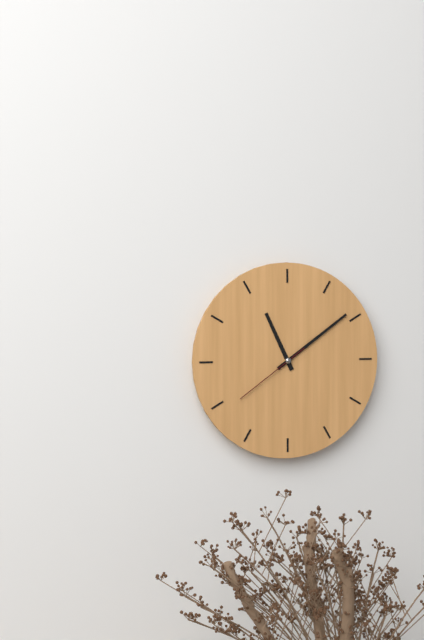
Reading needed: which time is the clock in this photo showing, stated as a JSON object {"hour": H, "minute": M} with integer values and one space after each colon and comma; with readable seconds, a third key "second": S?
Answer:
{"hour": 11, "minute": 9, "second": 39}
